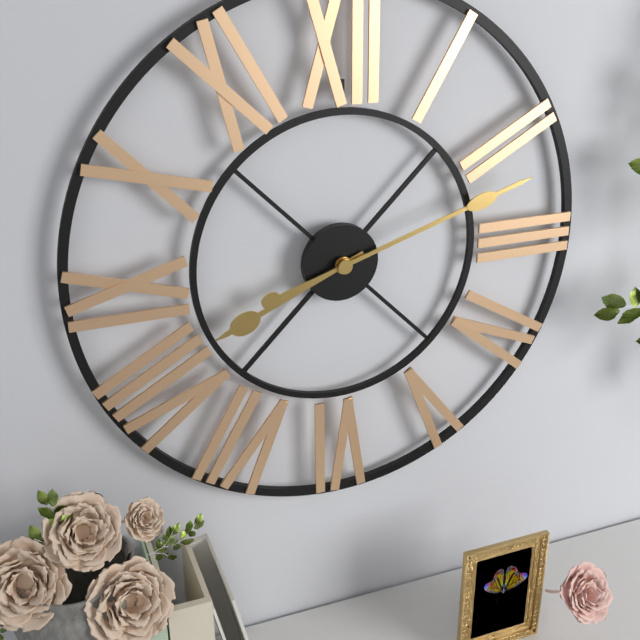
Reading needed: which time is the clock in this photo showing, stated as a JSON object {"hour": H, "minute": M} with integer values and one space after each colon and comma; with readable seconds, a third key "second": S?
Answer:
{"hour": 8, "minute": 12}
